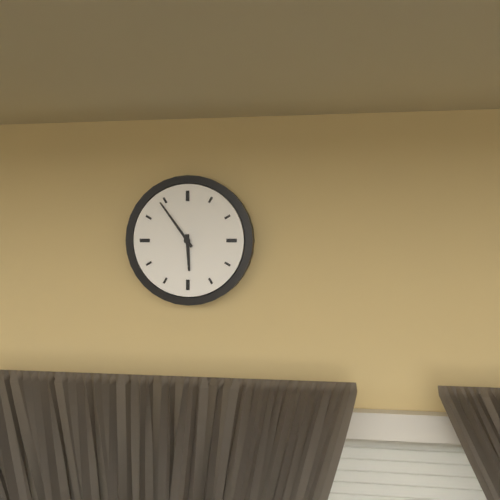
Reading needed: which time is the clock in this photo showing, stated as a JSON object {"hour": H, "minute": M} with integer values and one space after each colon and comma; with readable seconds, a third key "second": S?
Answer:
{"hour": 5, "minute": 54}
